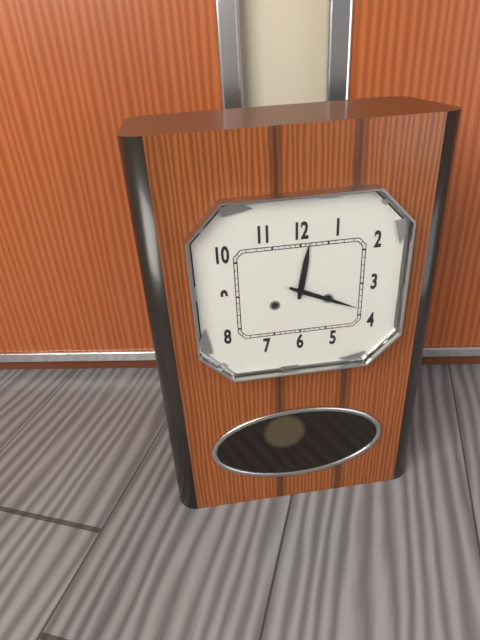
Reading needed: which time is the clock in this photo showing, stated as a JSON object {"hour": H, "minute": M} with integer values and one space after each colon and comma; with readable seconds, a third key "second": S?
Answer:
{"hour": 12, "minute": 19}
